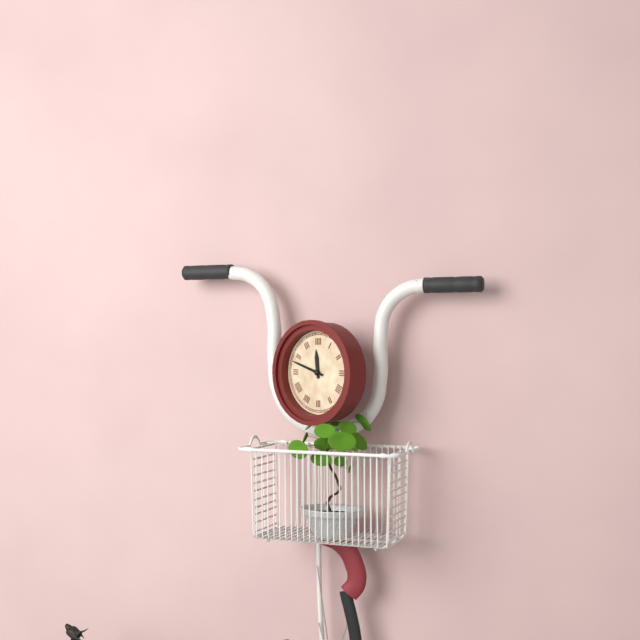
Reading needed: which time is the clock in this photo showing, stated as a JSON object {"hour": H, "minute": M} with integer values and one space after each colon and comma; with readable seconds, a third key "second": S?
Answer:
{"hour": 11, "minute": 48}
